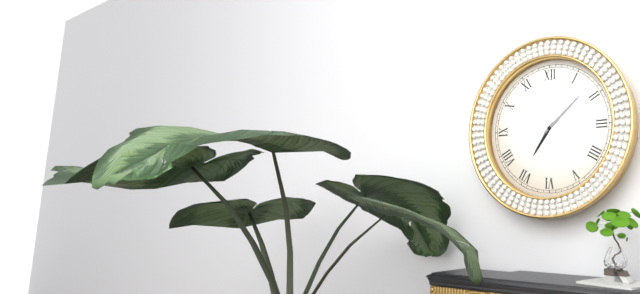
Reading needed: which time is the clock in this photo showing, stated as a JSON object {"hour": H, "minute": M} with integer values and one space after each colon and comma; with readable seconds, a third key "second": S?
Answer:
{"hour": 7, "minute": 8}
